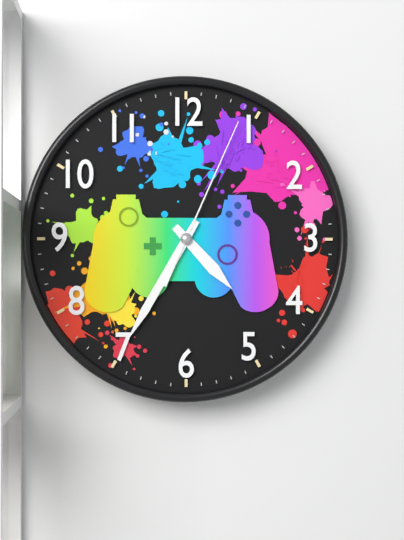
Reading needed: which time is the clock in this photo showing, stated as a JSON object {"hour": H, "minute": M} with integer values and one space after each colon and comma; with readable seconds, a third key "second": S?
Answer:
{"hour": 4, "minute": 35, "second": 4}
